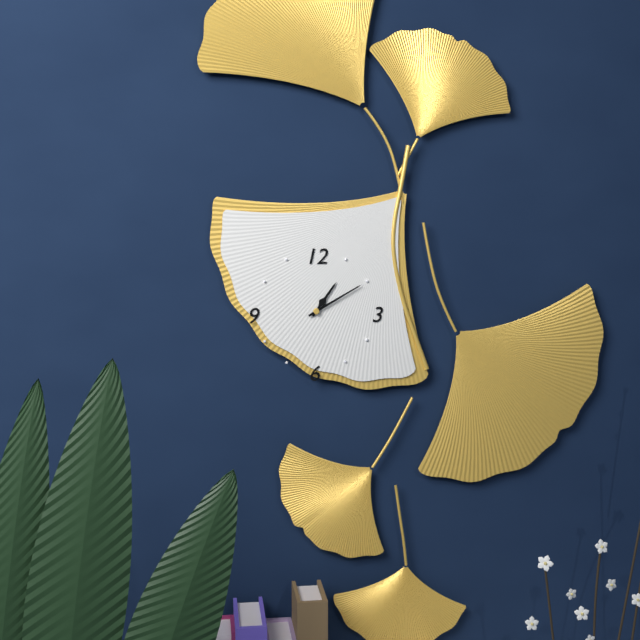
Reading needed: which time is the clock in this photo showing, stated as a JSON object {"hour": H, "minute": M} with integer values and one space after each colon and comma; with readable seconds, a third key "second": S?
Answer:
{"hour": 1, "minute": 10}
